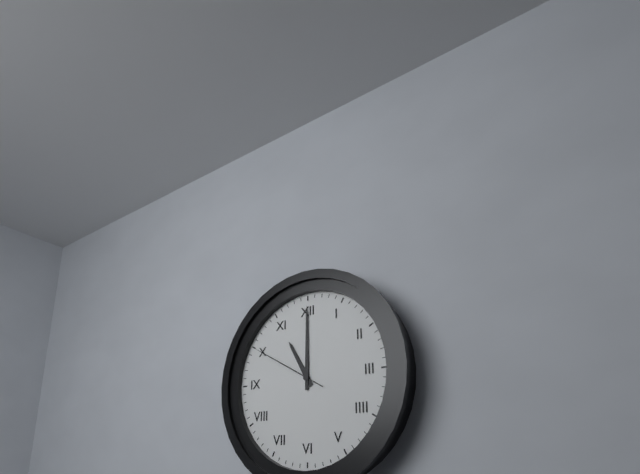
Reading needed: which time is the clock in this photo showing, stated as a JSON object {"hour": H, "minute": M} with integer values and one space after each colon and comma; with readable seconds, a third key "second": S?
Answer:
{"hour": 11, "minute": 0, "second": 50}
